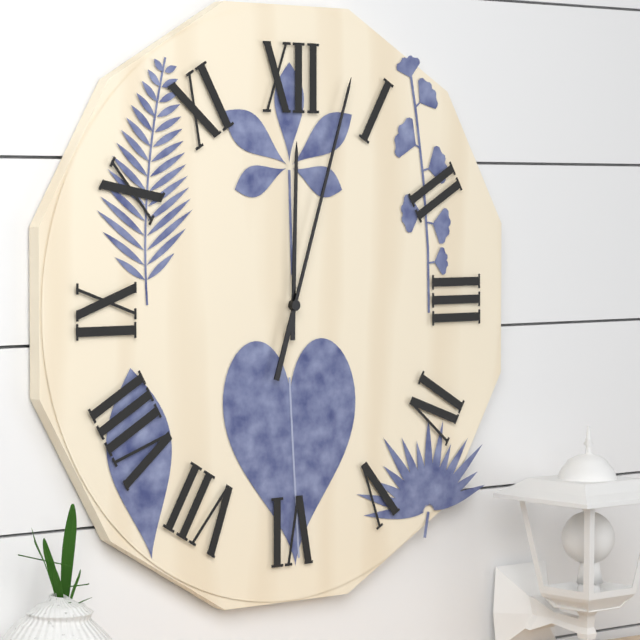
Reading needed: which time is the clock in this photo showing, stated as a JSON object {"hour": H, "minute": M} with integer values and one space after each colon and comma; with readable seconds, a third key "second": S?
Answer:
{"hour": 12, "minute": 3}
